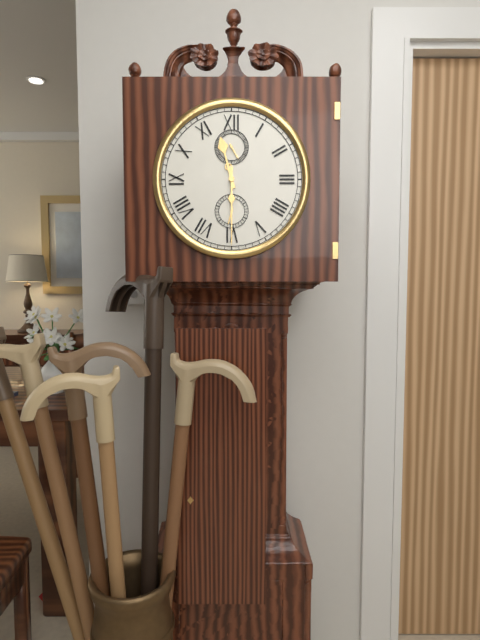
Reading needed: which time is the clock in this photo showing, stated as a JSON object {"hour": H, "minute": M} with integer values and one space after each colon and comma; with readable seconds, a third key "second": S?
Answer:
{"hour": 11, "minute": 30}
